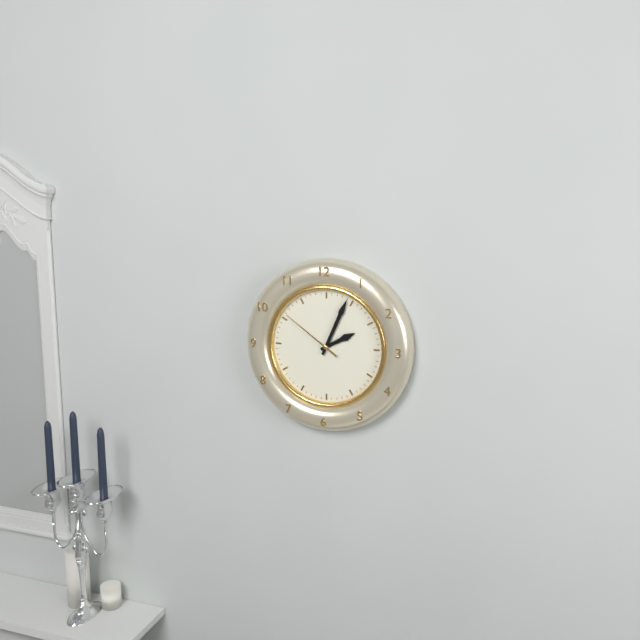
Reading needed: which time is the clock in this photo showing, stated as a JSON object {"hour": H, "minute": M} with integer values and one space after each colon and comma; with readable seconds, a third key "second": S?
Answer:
{"hour": 2, "minute": 4, "second": 51}
